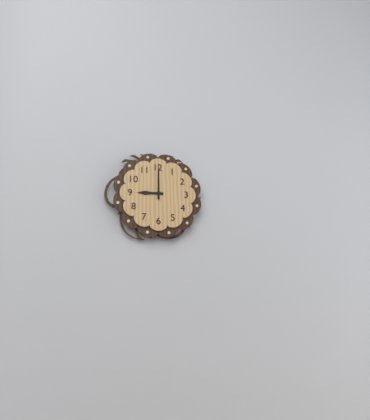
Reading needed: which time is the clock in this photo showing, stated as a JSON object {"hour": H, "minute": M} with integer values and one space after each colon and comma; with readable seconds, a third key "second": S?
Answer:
{"hour": 9, "minute": 0}
